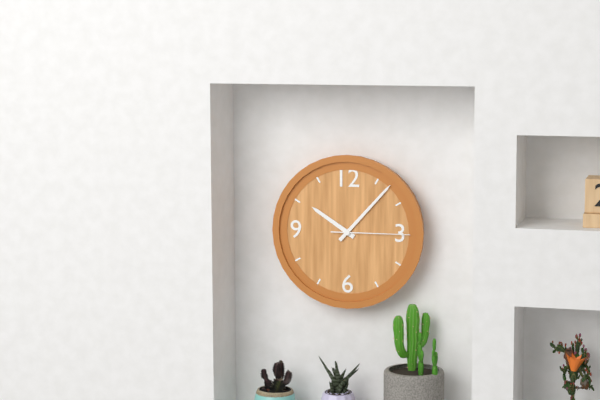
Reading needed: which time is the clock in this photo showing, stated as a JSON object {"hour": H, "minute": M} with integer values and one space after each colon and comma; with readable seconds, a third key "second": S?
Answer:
{"hour": 10, "minute": 7, "second": 15}
